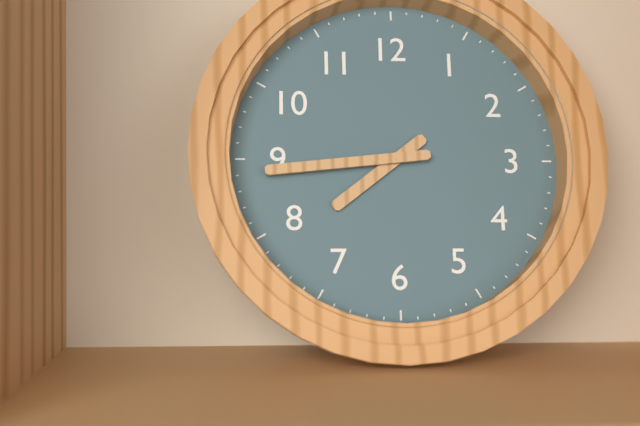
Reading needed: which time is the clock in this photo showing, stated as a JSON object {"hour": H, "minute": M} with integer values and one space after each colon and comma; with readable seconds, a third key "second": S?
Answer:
{"hour": 7, "minute": 44}
